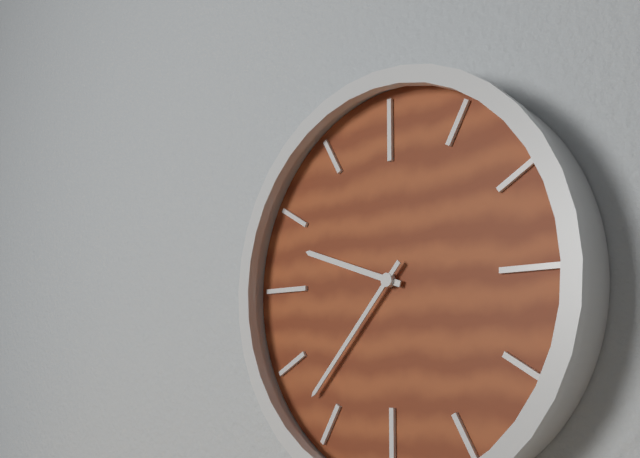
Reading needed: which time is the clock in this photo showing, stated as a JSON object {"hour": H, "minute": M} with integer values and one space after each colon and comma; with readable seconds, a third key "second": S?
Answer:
{"hour": 9, "minute": 37}
